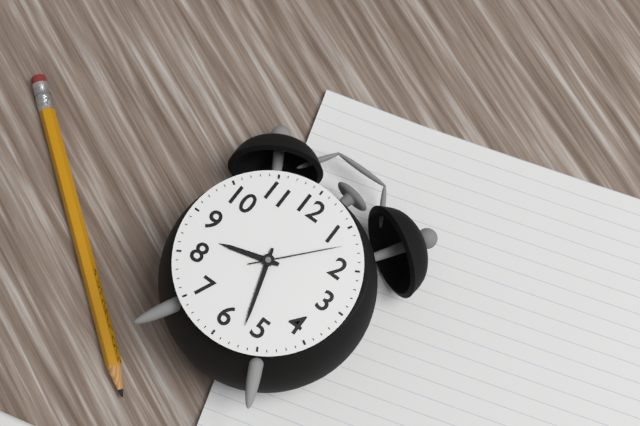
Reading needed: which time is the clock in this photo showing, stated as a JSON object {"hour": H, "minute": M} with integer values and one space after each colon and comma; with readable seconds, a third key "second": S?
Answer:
{"hour": 8, "minute": 27, "second": 7}
